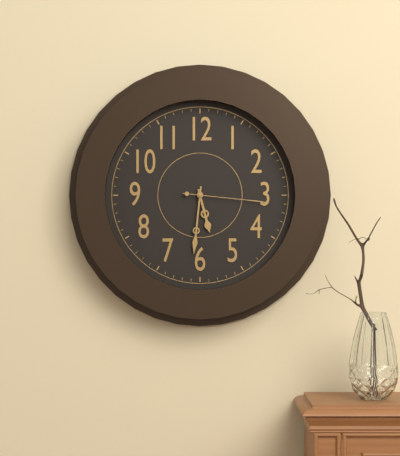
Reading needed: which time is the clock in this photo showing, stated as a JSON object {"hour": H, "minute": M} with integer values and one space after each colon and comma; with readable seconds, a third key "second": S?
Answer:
{"hour": 5, "minute": 31, "second": 16}
